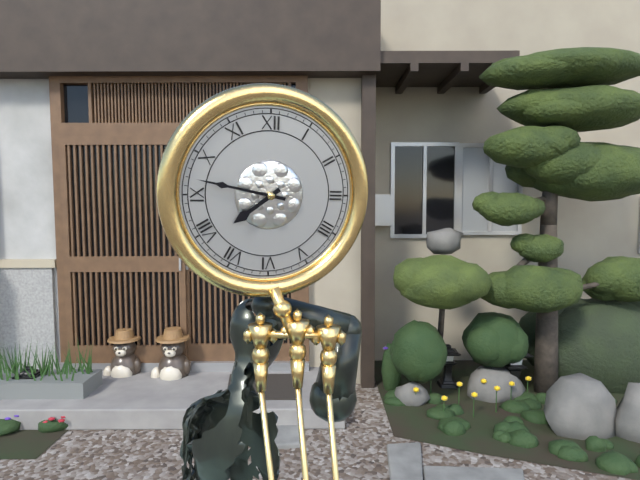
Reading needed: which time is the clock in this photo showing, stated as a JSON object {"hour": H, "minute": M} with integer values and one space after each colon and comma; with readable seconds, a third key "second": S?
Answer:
{"hour": 7, "minute": 47}
